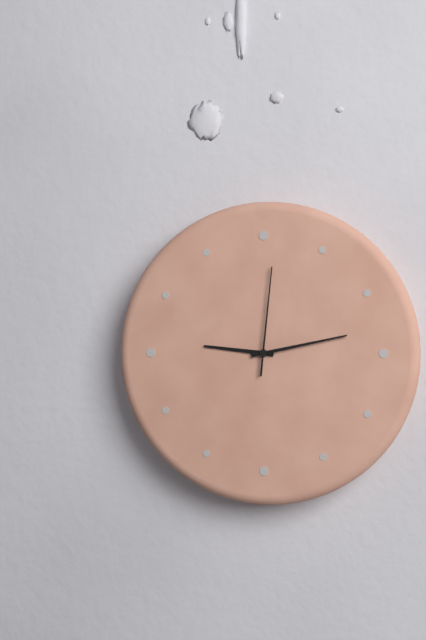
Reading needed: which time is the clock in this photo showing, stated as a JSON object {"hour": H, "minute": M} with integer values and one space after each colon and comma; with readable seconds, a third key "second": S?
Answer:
{"hour": 9, "minute": 13, "second": 1}
